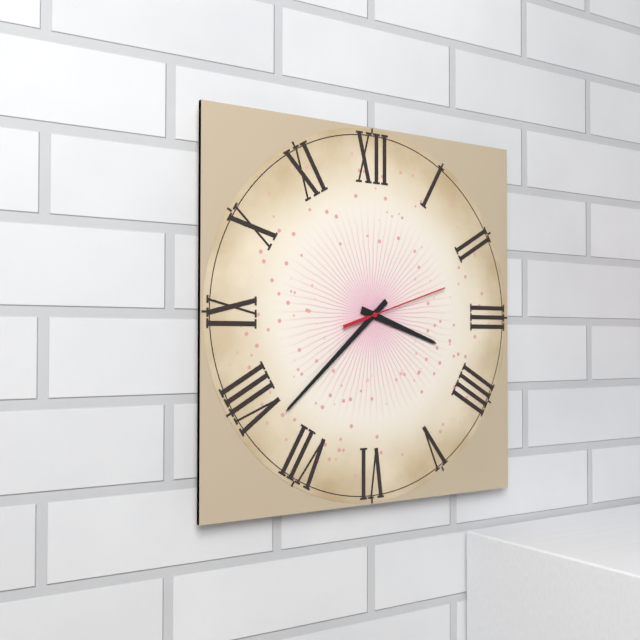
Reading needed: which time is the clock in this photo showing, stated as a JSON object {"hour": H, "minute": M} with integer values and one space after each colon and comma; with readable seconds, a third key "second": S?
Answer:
{"hour": 3, "minute": 38, "second": 12}
